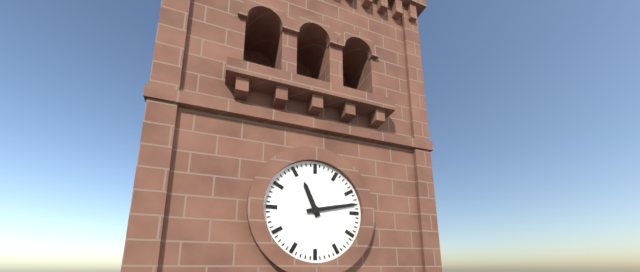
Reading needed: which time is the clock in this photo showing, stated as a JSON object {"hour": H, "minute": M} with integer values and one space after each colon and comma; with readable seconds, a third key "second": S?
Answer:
{"hour": 11, "minute": 13}
